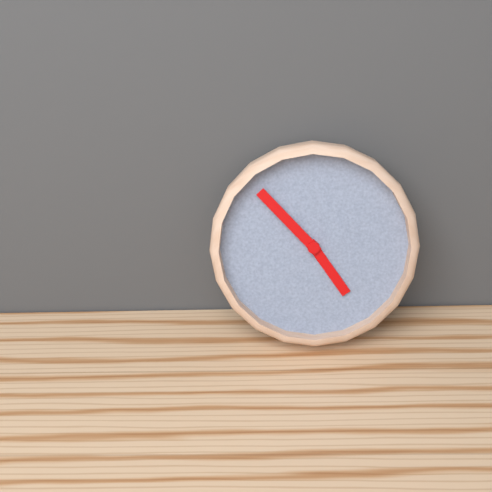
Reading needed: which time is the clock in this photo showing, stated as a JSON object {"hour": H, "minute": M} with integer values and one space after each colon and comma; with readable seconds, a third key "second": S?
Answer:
{"hour": 4, "minute": 53}
